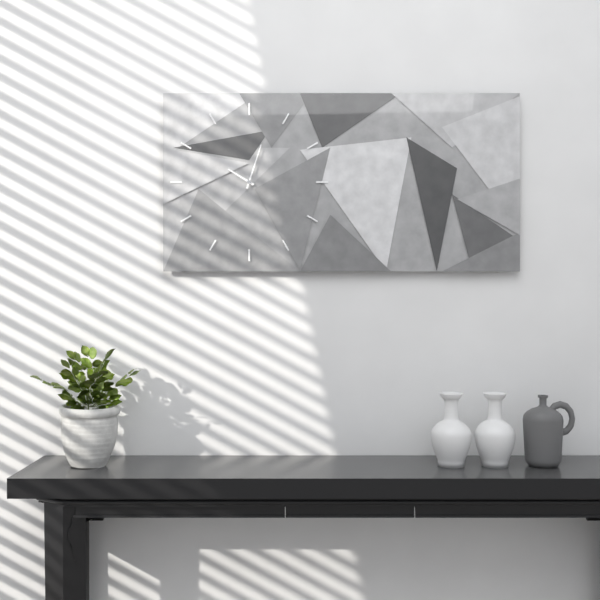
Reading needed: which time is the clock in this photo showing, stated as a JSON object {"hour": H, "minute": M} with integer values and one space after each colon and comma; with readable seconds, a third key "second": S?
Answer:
{"hour": 10, "minute": 3}
